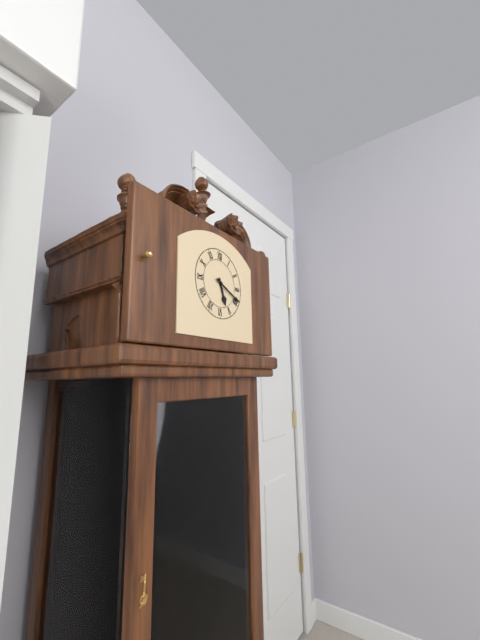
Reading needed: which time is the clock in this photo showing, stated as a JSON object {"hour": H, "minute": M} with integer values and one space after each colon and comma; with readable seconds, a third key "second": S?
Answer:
{"hour": 5, "minute": 19}
